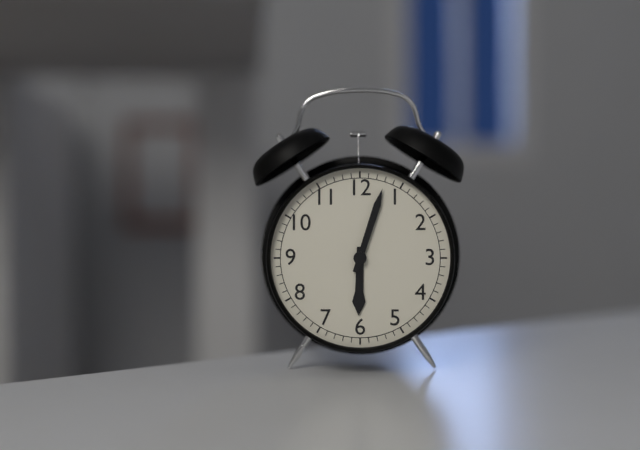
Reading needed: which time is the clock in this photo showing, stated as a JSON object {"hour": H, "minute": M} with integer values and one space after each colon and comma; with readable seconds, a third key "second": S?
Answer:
{"hour": 6, "minute": 3}
